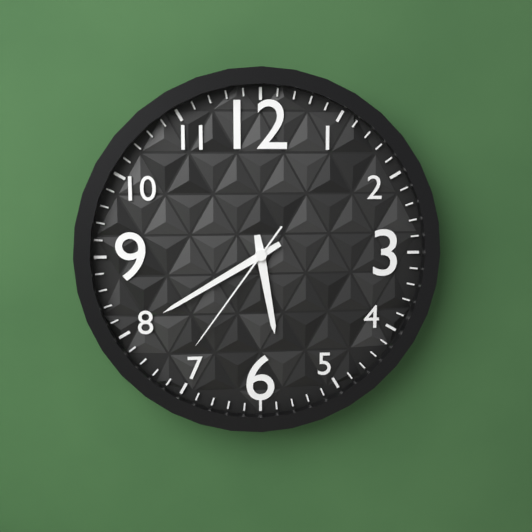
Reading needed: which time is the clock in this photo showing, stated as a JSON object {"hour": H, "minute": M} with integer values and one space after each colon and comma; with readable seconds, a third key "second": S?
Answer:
{"hour": 5, "minute": 40, "second": 36}
